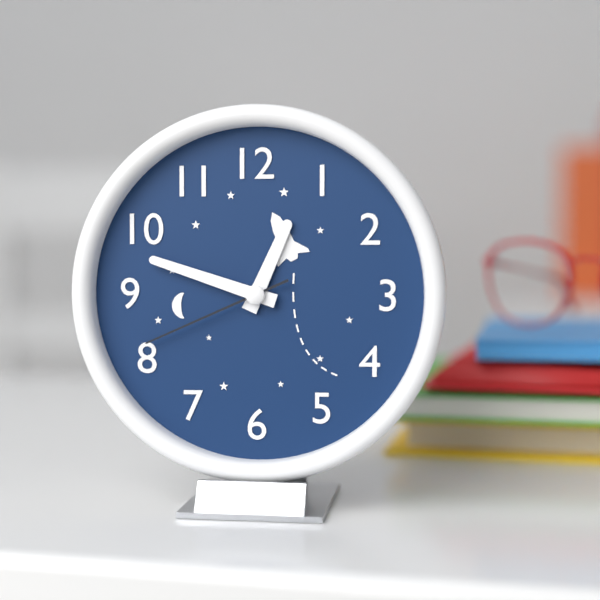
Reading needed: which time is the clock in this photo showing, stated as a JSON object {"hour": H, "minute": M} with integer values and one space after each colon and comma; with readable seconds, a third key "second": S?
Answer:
{"hour": 12, "minute": 48, "second": 41}
